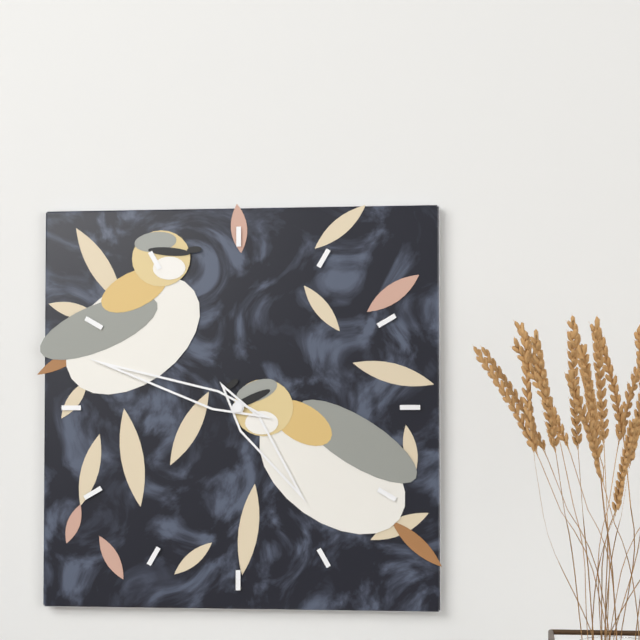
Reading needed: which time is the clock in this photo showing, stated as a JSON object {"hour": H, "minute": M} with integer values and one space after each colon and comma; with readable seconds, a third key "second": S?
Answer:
{"hour": 4, "minute": 48}
